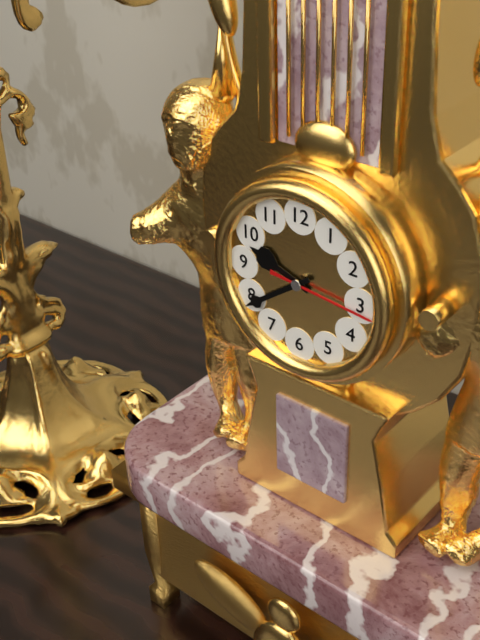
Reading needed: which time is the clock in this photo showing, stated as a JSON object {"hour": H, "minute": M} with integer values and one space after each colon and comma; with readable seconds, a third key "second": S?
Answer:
{"hour": 9, "minute": 39, "second": 16}
